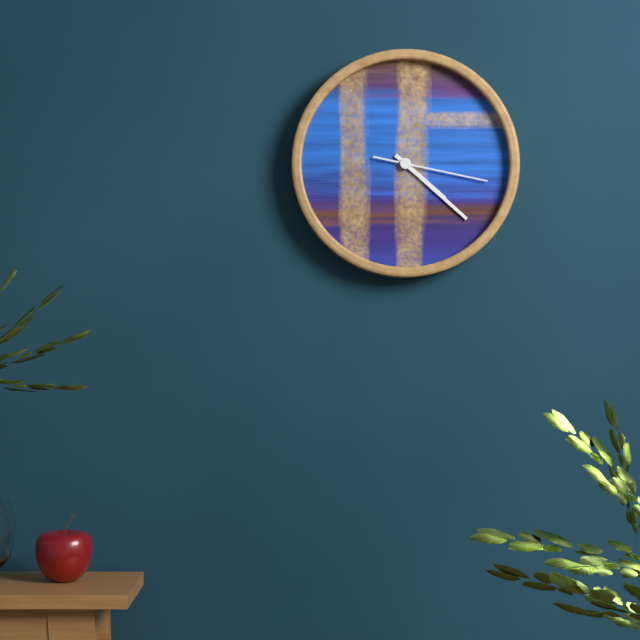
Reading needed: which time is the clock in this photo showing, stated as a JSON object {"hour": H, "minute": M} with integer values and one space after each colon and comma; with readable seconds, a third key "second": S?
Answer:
{"hour": 4, "minute": 22, "second": 17}
